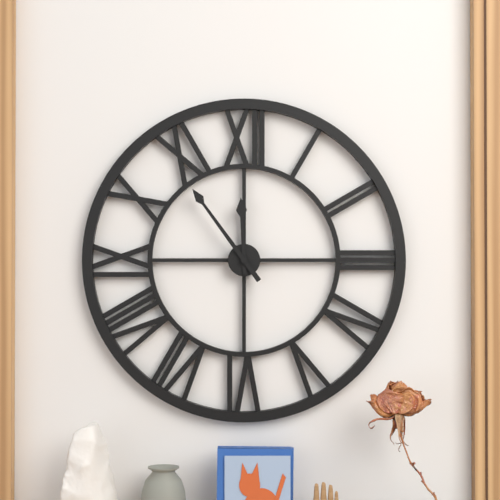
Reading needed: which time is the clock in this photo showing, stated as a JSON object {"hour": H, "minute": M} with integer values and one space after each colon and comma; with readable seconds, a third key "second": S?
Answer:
{"hour": 11, "minute": 54}
